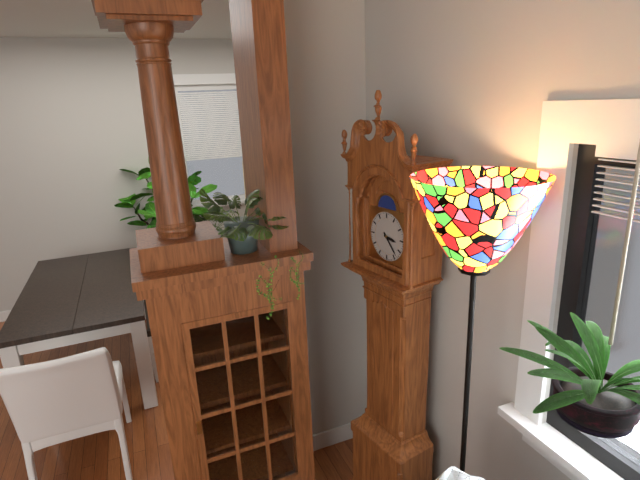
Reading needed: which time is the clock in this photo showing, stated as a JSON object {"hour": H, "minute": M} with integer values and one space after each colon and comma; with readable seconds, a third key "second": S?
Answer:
{"hour": 3, "minute": 23}
